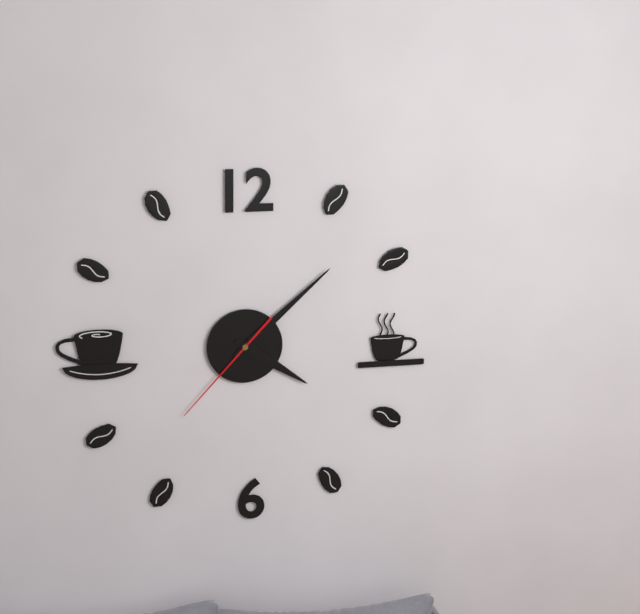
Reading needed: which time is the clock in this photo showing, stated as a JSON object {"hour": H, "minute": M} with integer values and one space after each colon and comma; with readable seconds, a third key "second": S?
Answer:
{"hour": 4, "minute": 8, "second": 37}
